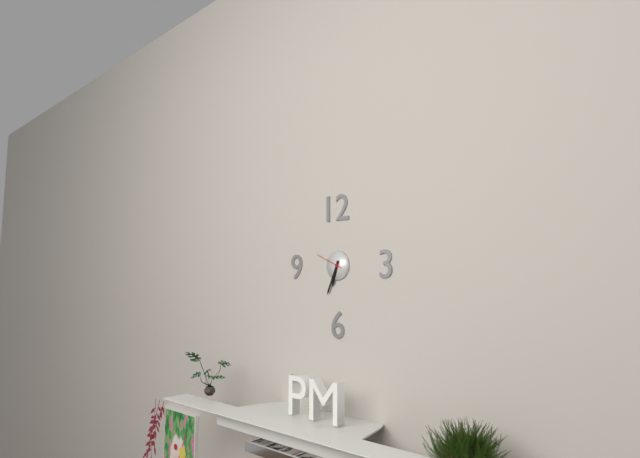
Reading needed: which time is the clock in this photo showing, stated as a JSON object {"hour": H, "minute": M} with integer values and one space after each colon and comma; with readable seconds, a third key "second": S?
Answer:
{"hour": 6, "minute": 34}
